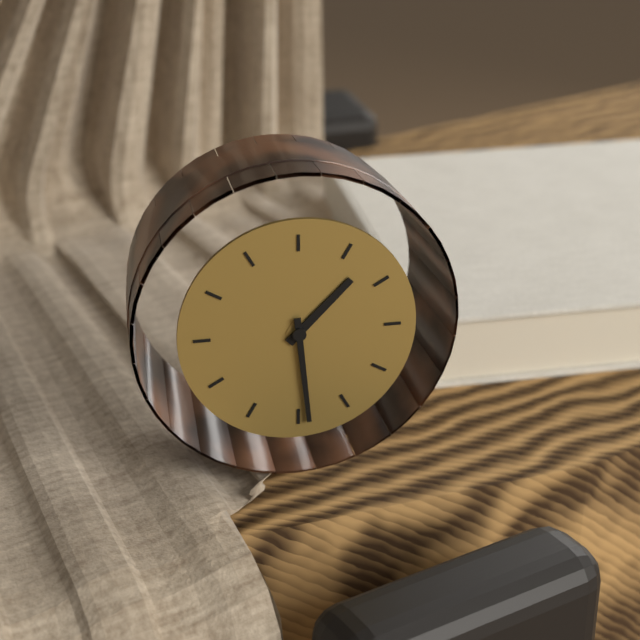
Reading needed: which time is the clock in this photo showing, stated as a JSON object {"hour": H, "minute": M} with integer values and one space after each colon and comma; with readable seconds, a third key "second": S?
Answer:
{"hour": 1, "minute": 29}
